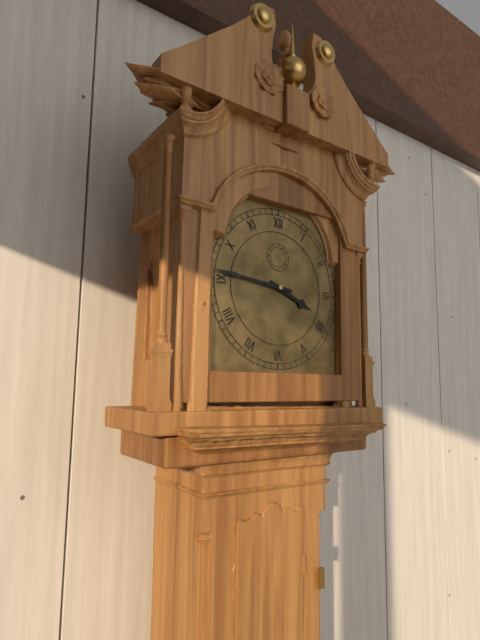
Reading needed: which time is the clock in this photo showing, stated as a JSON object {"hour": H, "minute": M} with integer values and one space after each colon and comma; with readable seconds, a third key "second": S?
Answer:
{"hour": 3, "minute": 46}
